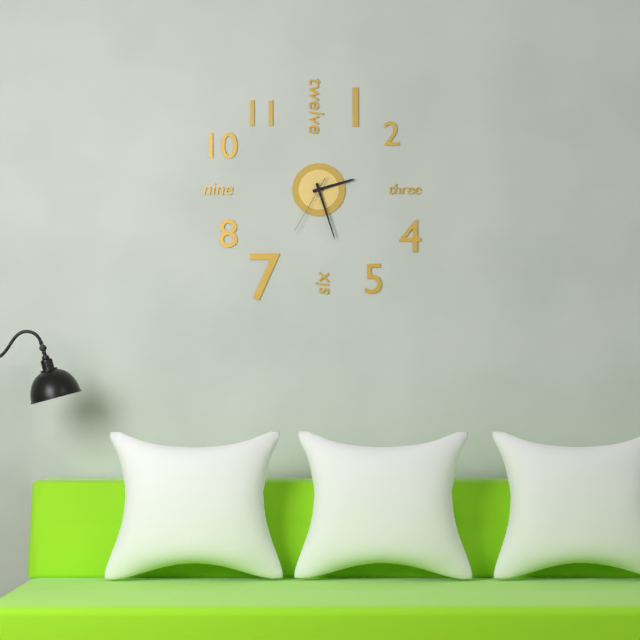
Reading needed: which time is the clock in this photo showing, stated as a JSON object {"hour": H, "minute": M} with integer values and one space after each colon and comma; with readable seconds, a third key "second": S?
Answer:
{"hour": 2, "minute": 27, "second": 35}
